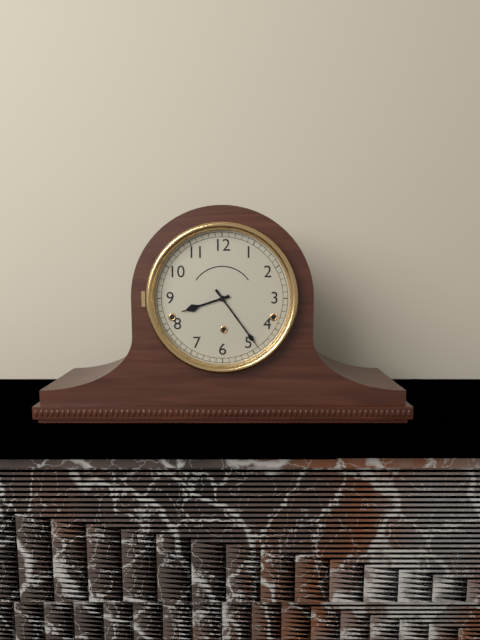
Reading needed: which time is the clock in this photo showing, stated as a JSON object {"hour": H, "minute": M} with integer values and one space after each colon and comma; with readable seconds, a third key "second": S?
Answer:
{"hour": 8, "minute": 24}
